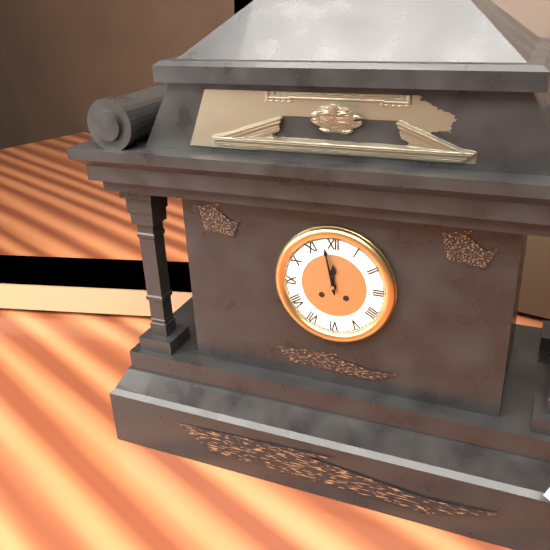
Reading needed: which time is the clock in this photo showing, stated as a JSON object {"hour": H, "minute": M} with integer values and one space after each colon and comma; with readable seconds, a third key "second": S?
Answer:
{"hour": 11, "minute": 58}
